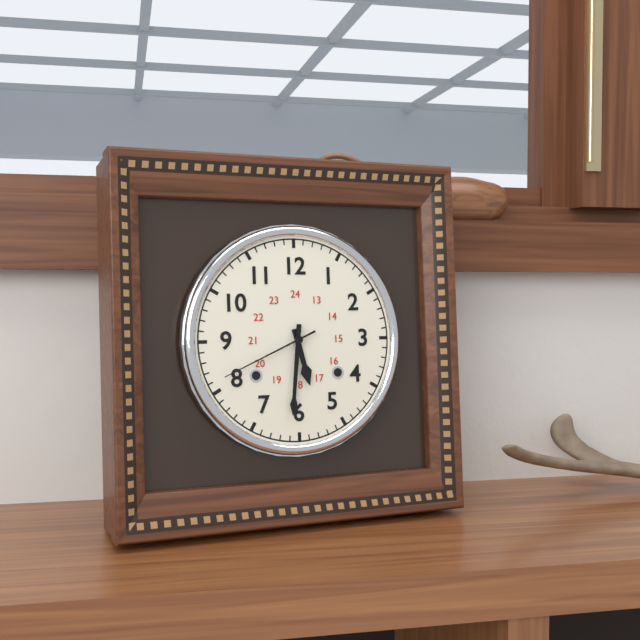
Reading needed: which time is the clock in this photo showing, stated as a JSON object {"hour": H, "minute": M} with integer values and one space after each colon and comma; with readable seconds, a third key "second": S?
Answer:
{"hour": 5, "minute": 31, "second": 41}
